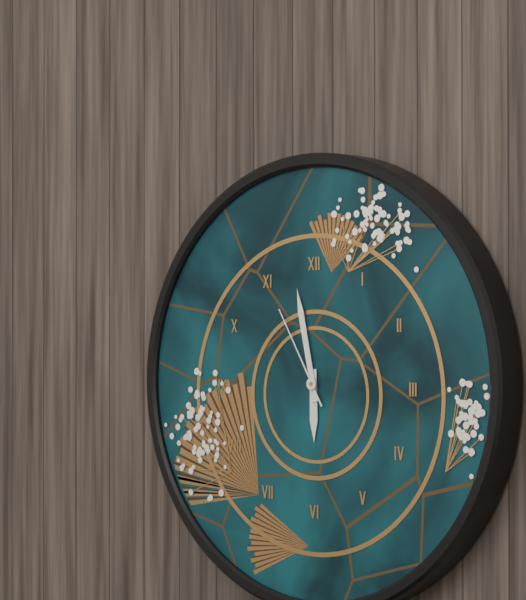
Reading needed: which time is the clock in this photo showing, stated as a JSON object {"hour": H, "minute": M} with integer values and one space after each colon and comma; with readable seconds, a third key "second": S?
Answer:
{"hour": 5, "minute": 58, "second": 55}
